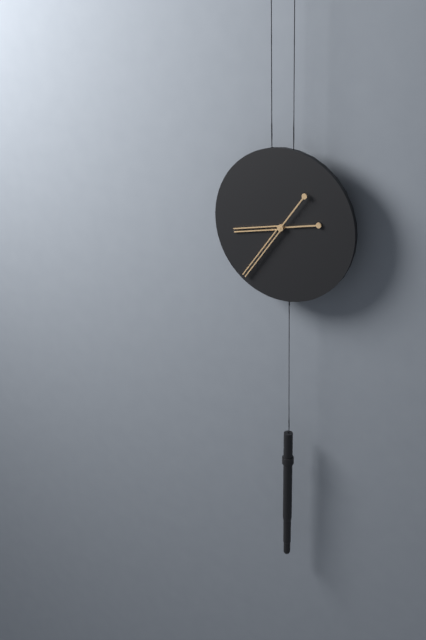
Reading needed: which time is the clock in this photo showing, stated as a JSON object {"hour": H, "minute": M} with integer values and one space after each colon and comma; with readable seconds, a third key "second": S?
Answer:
{"hour": 8, "minute": 36}
